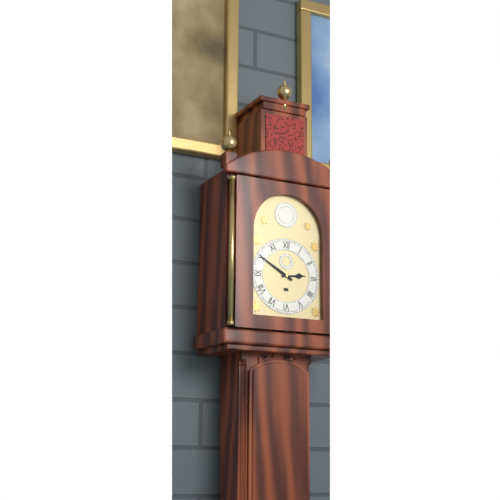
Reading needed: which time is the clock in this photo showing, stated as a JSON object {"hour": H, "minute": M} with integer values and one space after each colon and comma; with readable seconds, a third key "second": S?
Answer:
{"hour": 2, "minute": 50}
